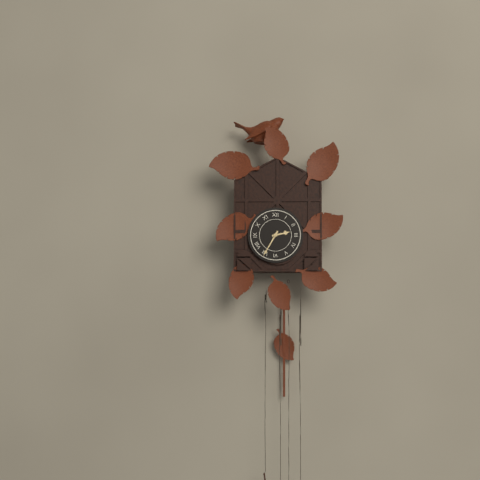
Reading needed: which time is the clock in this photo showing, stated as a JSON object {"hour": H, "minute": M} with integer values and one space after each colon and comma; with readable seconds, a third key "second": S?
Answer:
{"hour": 2, "minute": 35}
